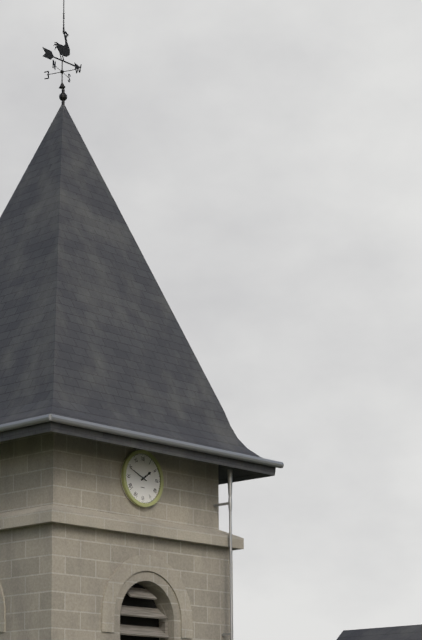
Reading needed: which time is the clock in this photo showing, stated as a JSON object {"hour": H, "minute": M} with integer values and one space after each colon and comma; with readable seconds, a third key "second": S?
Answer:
{"hour": 1, "minute": 49}
